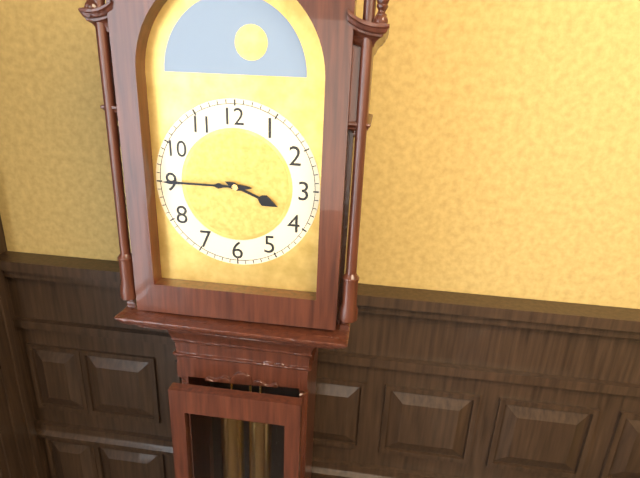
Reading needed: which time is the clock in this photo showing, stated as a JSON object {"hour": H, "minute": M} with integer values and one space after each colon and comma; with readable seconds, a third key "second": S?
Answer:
{"hour": 3, "minute": 45}
